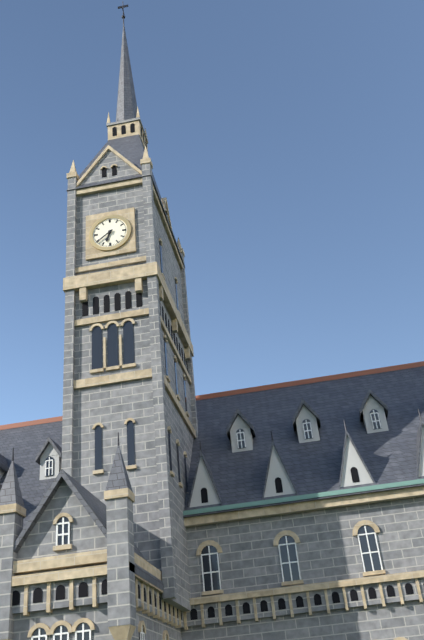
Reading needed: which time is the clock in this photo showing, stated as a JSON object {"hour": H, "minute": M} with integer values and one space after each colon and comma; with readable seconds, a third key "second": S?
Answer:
{"hour": 6, "minute": 39}
